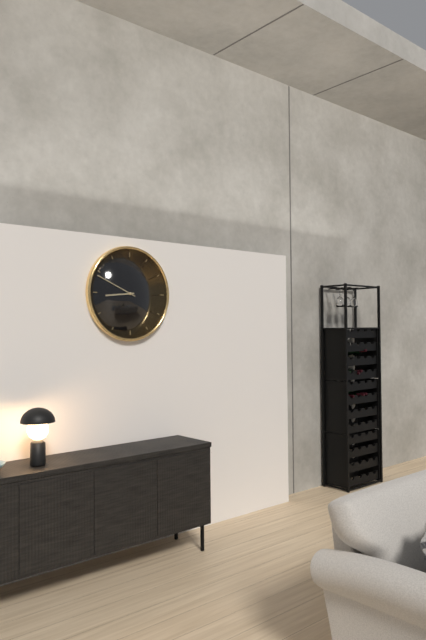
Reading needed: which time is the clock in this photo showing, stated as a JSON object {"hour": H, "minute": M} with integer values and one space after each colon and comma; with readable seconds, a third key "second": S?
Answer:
{"hour": 8, "minute": 49}
